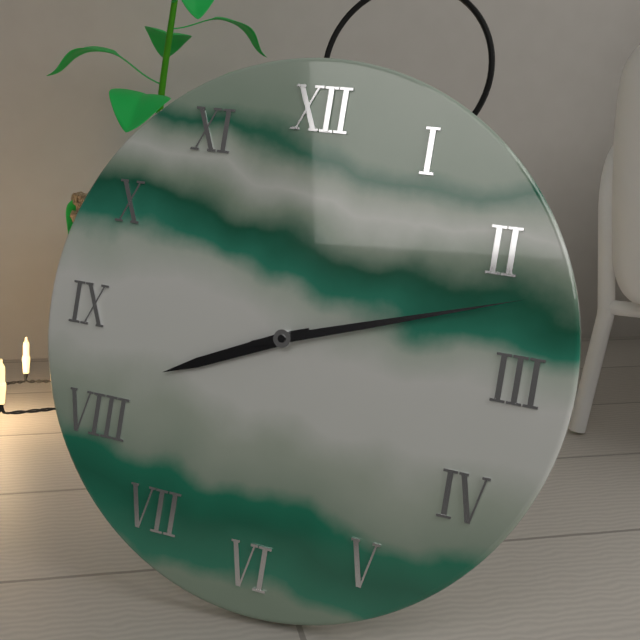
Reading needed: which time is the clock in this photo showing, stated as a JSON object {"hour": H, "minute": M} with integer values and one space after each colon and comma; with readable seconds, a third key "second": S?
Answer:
{"hour": 8, "minute": 12}
